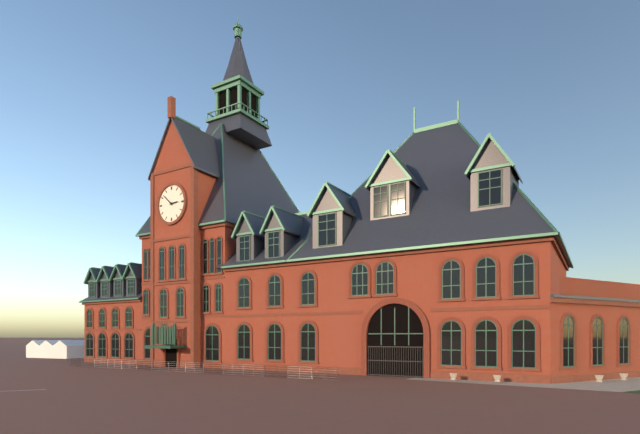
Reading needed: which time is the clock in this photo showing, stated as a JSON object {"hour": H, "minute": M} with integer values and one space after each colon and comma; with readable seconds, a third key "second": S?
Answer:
{"hour": 2, "minute": 52}
